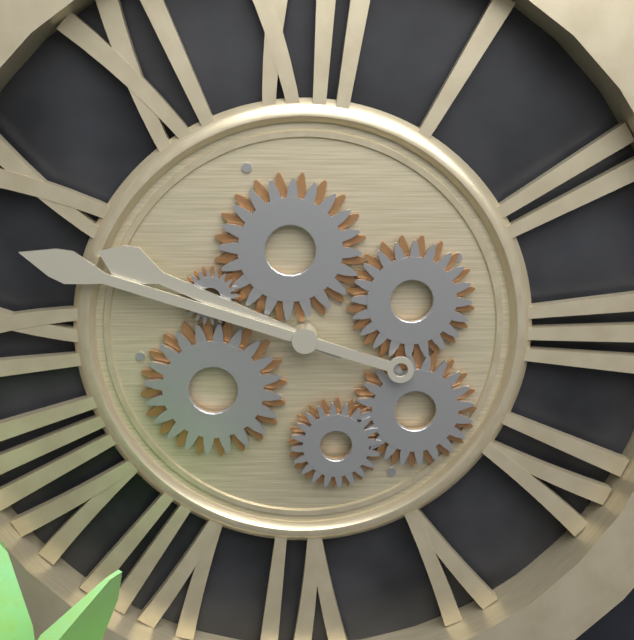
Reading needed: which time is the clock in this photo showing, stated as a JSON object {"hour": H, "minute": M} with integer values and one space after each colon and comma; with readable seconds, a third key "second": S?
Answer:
{"hour": 9, "minute": 48}
